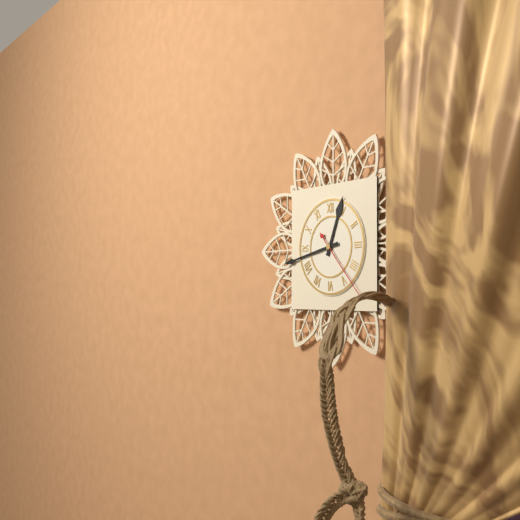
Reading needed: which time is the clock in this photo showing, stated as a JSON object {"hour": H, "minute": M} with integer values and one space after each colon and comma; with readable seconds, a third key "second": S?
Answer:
{"hour": 12, "minute": 43, "second": 23}
